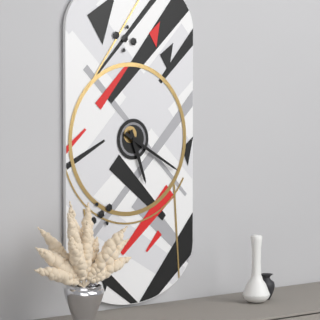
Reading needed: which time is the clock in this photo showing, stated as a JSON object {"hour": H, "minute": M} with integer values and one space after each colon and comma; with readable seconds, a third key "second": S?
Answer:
{"hour": 5, "minute": 20}
